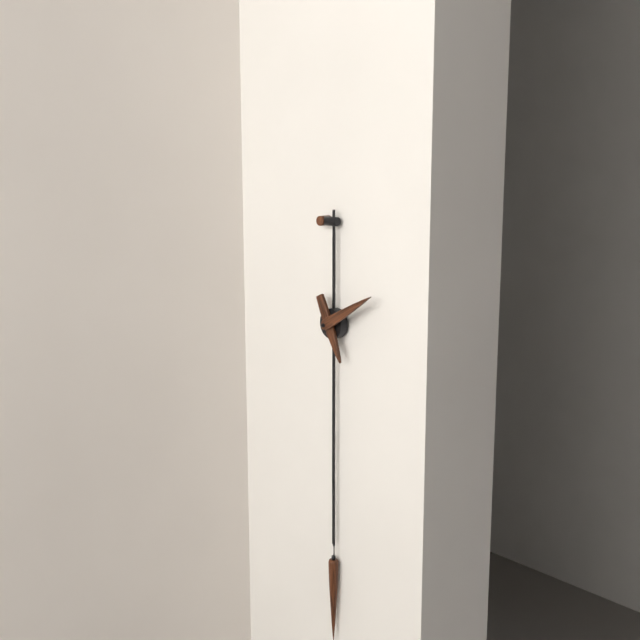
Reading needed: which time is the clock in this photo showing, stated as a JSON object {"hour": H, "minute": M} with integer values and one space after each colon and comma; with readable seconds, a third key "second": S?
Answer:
{"hour": 5, "minute": 10}
